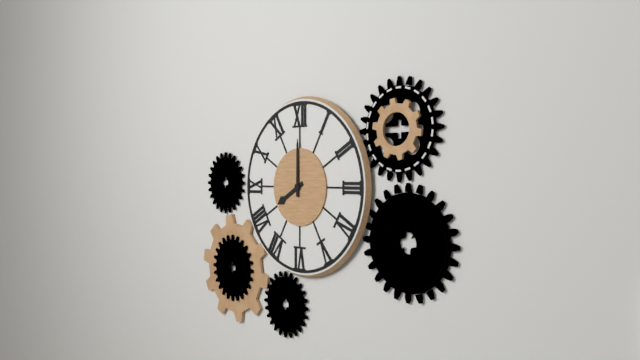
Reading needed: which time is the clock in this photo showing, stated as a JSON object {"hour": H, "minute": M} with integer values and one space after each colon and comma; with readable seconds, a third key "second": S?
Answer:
{"hour": 8, "minute": 0}
